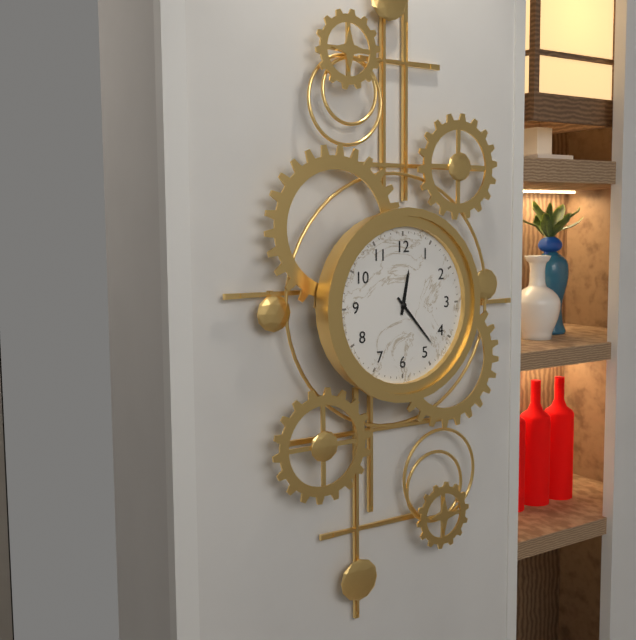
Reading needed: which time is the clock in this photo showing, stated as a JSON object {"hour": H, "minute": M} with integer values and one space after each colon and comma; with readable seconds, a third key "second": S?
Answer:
{"hour": 12, "minute": 23}
